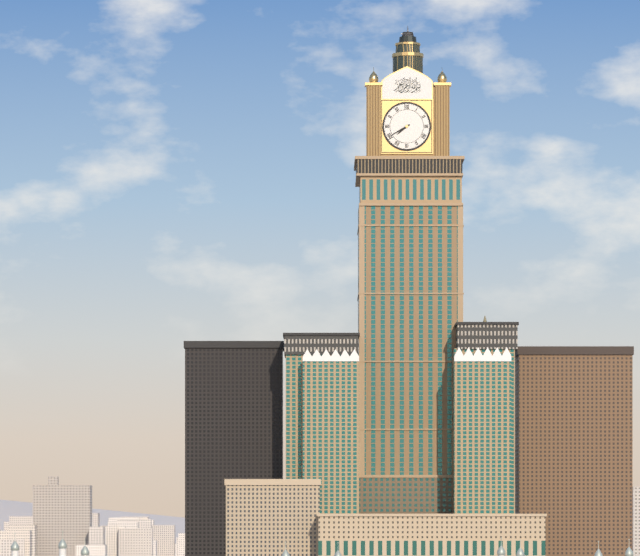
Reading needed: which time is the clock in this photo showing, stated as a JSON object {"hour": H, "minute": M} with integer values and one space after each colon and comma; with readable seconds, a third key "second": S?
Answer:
{"hour": 7, "minute": 40}
